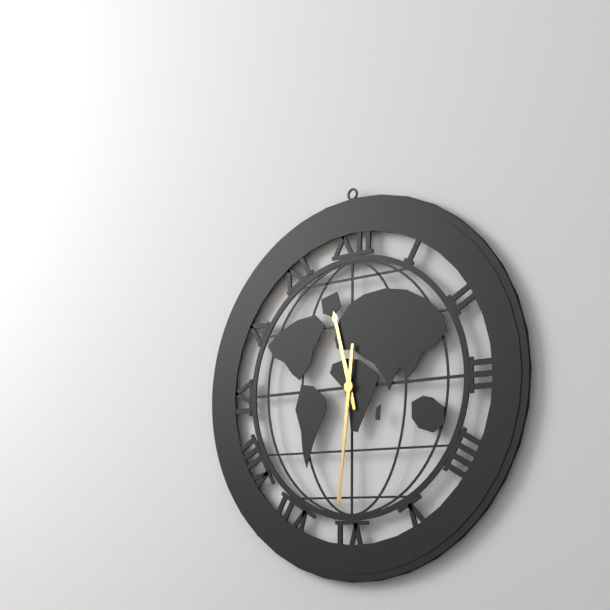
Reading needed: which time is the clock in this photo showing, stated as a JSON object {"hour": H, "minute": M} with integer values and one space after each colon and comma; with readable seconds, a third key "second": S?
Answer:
{"hour": 11, "minute": 31}
